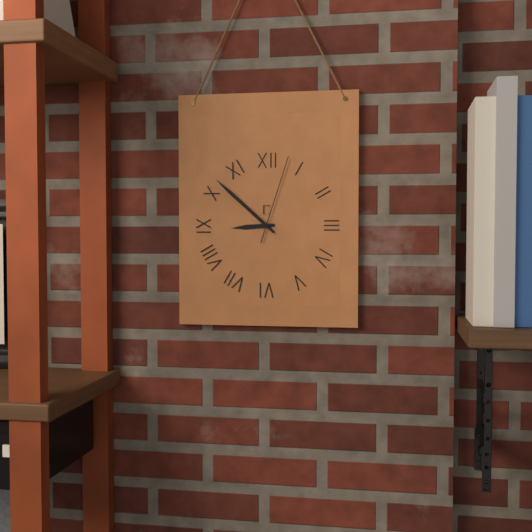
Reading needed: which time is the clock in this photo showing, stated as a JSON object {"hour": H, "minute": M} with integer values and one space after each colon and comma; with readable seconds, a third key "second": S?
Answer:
{"hour": 8, "minute": 52, "second": 3}
